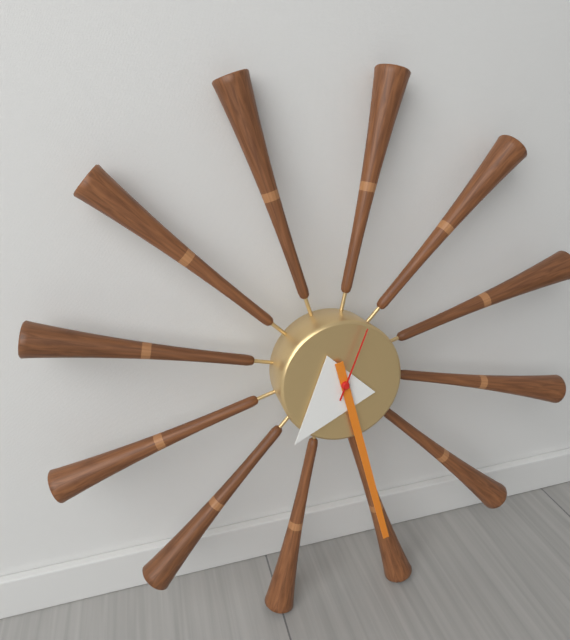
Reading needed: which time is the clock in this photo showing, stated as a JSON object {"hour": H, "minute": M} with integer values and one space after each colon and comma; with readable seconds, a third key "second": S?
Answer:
{"hour": 7, "minute": 28, "second": 4}
